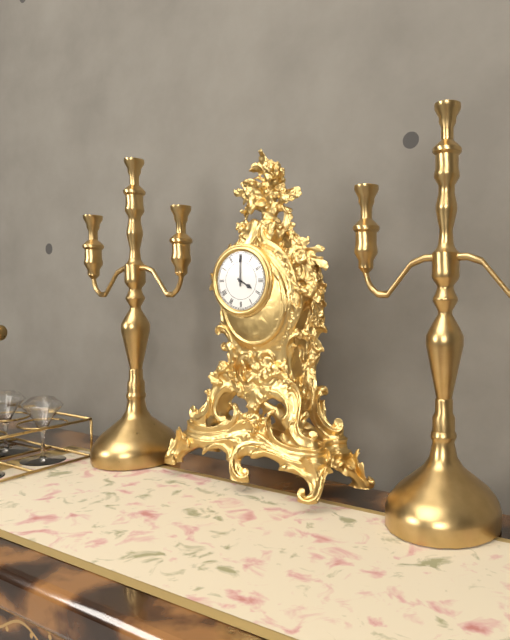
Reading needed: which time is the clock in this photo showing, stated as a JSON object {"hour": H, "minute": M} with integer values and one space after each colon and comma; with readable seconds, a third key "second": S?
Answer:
{"hour": 4, "minute": 0}
